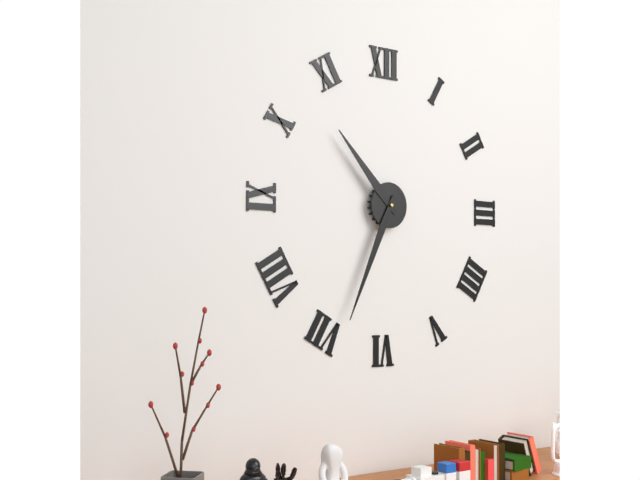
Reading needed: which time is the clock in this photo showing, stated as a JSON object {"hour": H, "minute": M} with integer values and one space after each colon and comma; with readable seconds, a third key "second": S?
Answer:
{"hour": 10, "minute": 34}
